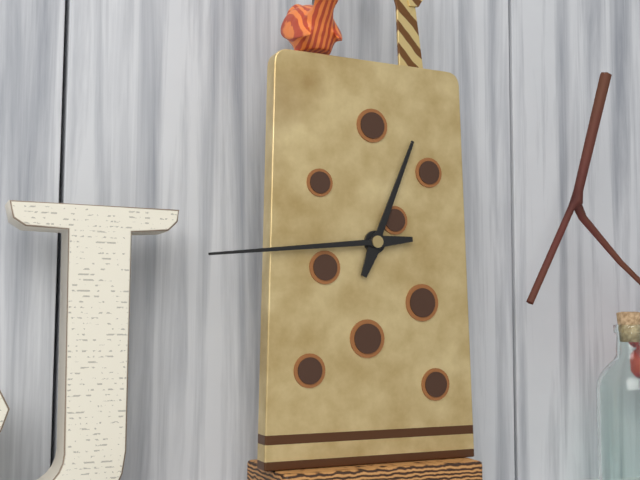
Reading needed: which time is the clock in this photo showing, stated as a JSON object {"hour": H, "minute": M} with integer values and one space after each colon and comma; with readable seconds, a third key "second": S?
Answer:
{"hour": 12, "minute": 44}
